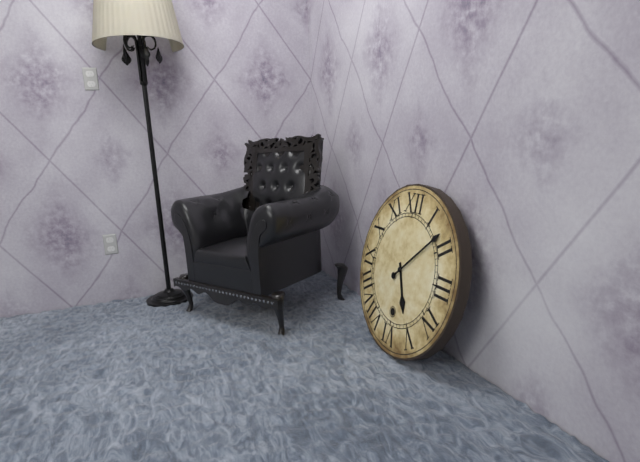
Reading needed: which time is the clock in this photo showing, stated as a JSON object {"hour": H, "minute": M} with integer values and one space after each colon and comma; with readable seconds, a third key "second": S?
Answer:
{"hour": 5, "minute": 8}
